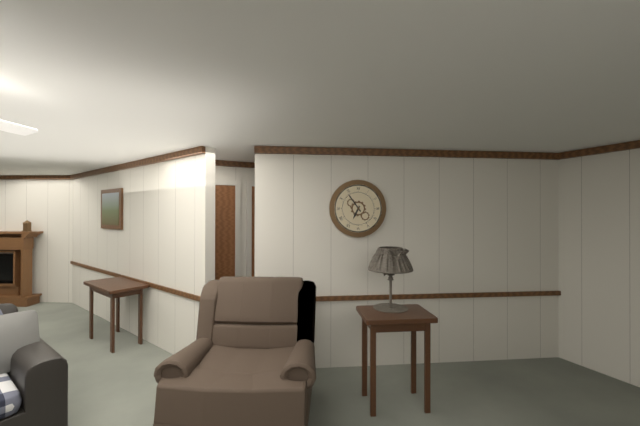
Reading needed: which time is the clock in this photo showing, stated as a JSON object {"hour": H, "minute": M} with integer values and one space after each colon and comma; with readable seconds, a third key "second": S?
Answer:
{"hour": 6, "minute": 54}
